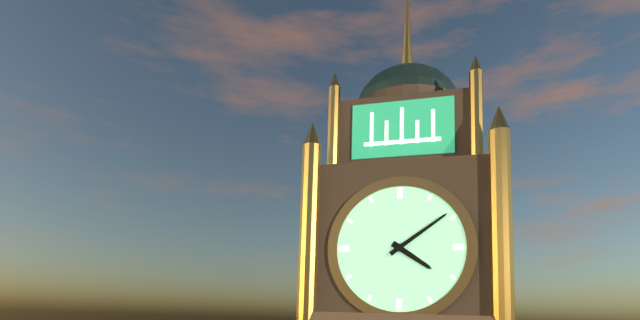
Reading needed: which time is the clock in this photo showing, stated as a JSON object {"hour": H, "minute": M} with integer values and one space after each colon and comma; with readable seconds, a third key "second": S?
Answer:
{"hour": 4, "minute": 9}
